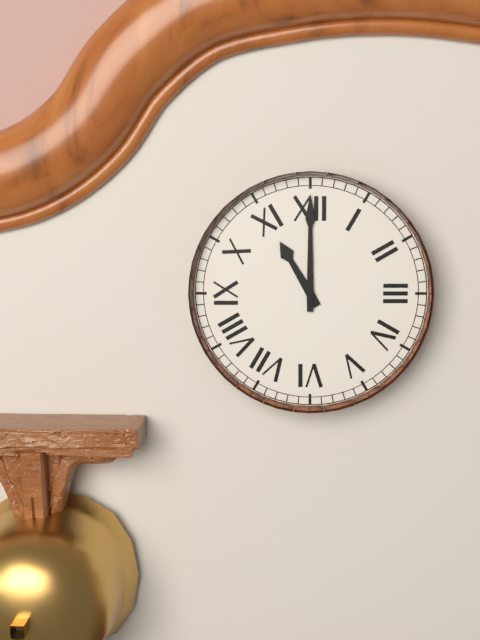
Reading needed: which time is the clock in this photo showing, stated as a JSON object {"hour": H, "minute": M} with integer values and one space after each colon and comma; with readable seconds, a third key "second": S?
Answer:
{"hour": 11, "minute": 0}
